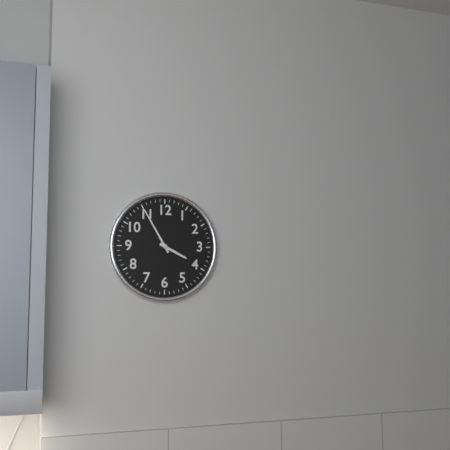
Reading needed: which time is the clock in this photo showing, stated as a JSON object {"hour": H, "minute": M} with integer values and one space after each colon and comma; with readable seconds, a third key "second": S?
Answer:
{"hour": 3, "minute": 55}
